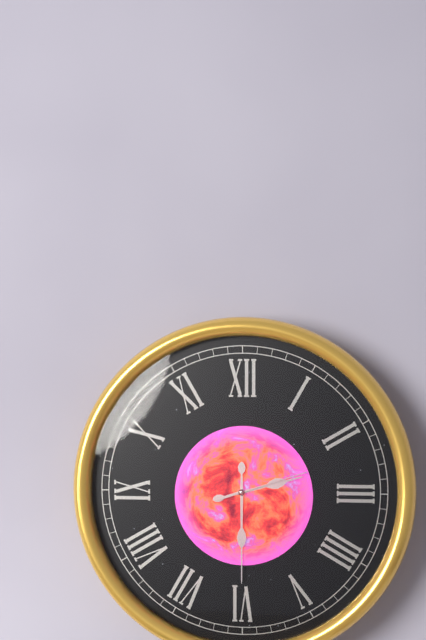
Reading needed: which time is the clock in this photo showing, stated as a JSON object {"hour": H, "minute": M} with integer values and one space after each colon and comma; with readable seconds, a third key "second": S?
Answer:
{"hour": 2, "minute": 30, "second": 12}
